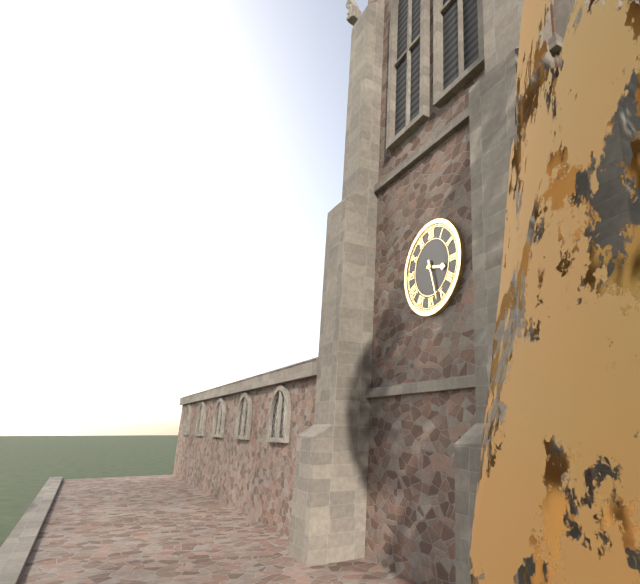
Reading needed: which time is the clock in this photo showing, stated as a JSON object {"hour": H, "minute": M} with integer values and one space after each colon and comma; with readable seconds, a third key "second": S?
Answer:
{"hour": 3, "minute": 27}
